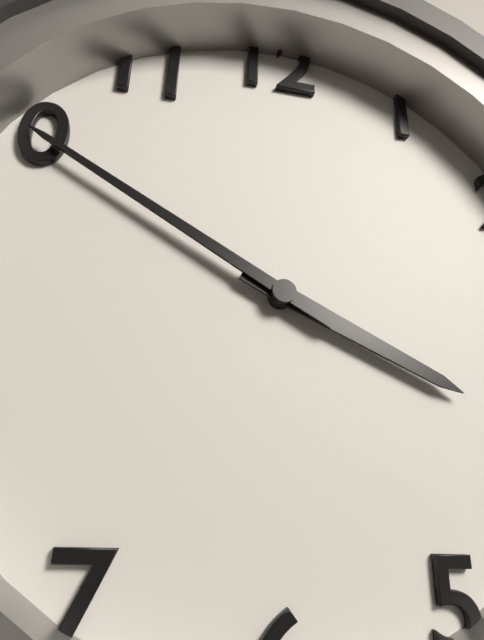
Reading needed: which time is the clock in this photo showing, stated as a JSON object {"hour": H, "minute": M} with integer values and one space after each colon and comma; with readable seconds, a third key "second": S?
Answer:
{"hour": 3, "minute": 50}
